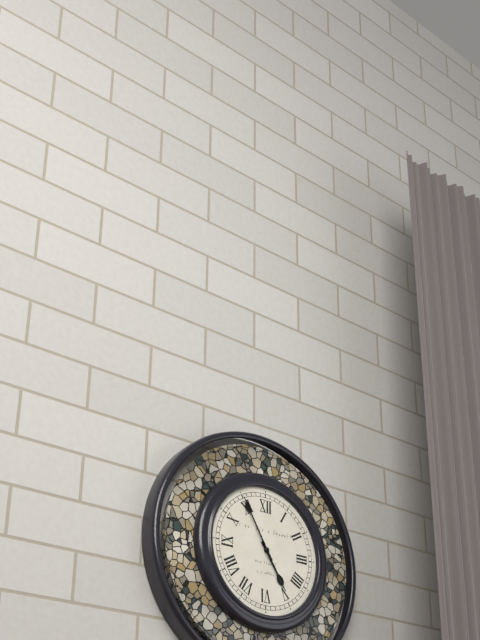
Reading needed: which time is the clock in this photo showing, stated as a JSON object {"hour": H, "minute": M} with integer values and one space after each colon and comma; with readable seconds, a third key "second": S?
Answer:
{"hour": 4, "minute": 55}
